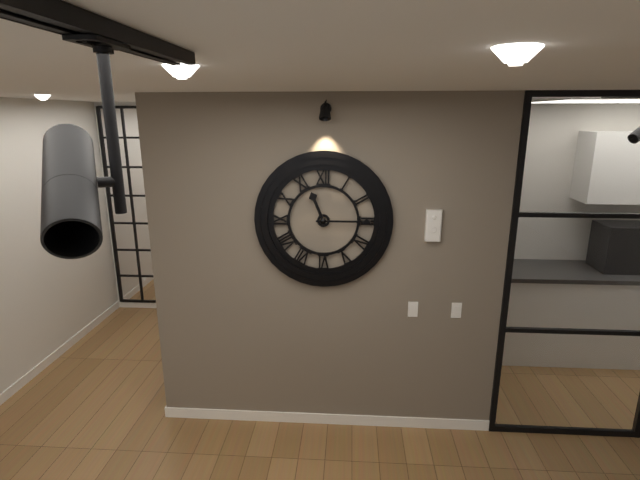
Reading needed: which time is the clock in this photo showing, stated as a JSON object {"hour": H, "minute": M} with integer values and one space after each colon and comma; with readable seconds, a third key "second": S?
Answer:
{"hour": 11, "minute": 15}
